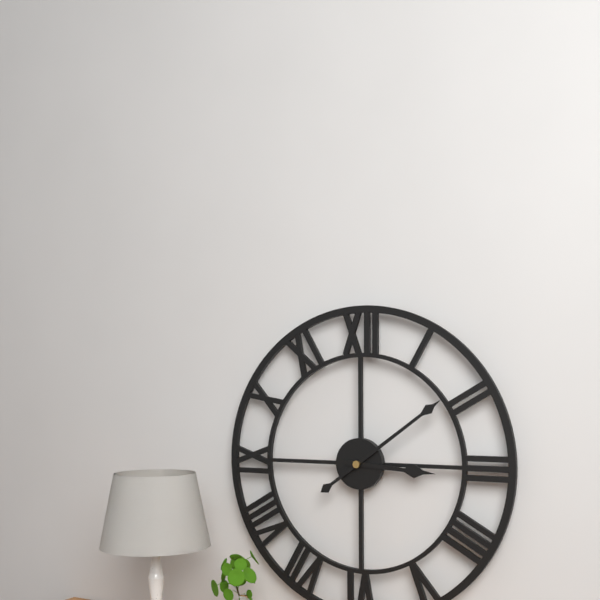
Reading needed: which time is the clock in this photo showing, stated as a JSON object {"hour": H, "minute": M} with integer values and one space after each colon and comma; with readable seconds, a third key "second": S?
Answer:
{"hour": 3, "minute": 9}
